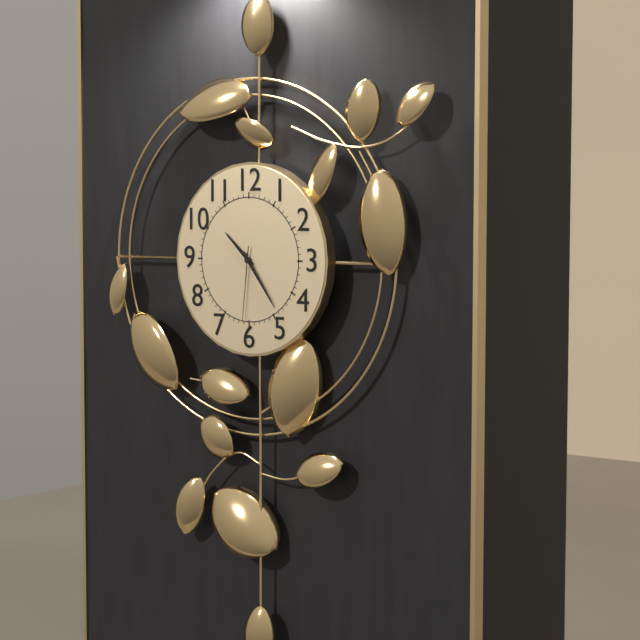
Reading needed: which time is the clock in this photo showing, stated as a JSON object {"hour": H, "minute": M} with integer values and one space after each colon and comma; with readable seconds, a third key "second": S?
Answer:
{"hour": 10, "minute": 24, "second": 31}
